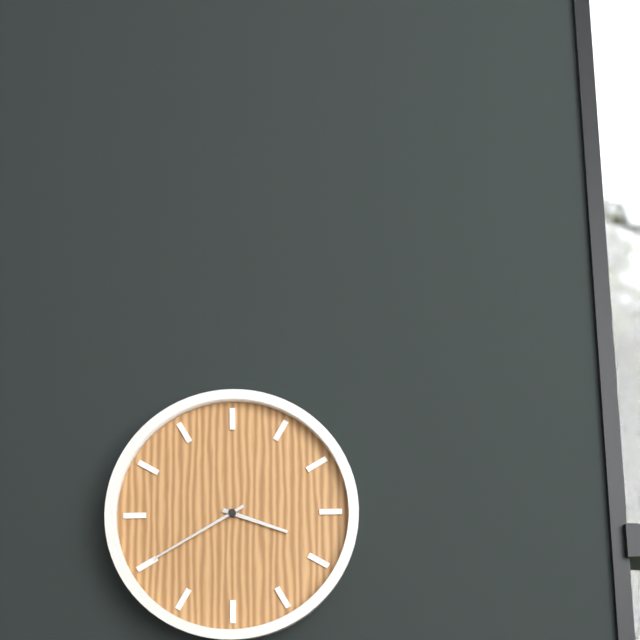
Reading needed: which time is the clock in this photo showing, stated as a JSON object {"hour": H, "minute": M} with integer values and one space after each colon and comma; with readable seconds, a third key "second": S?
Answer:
{"hour": 3, "minute": 40}
